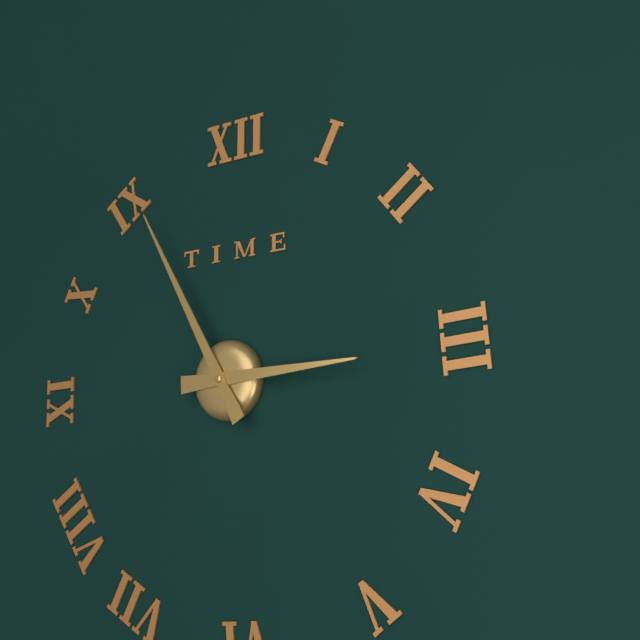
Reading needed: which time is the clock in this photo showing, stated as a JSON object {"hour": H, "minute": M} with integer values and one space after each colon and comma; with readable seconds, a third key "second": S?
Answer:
{"hour": 2, "minute": 55}
